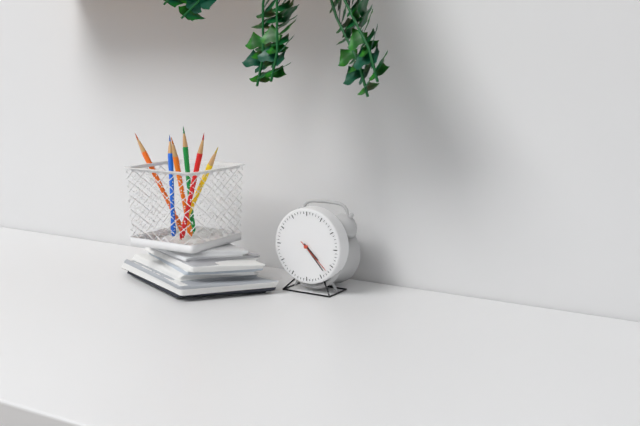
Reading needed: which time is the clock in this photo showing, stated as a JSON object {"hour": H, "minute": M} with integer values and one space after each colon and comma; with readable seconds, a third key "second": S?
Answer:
{"hour": 4, "minute": 23}
